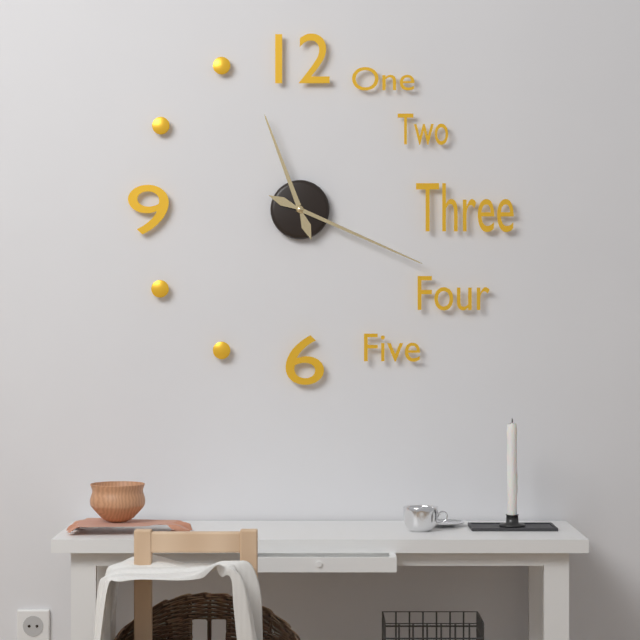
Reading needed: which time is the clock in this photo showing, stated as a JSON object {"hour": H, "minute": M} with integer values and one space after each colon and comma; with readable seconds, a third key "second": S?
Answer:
{"hour": 11, "minute": 19}
